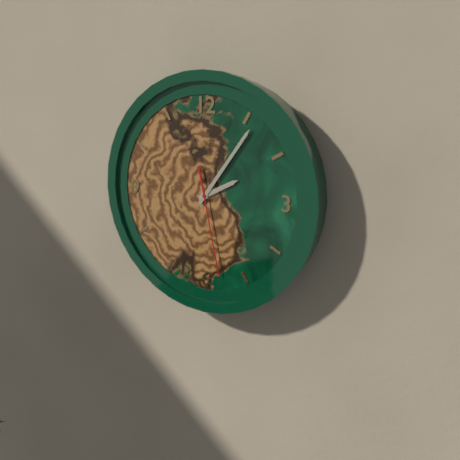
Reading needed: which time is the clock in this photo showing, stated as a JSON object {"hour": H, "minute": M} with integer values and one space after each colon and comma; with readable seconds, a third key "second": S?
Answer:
{"hour": 2, "minute": 6, "second": 28}
